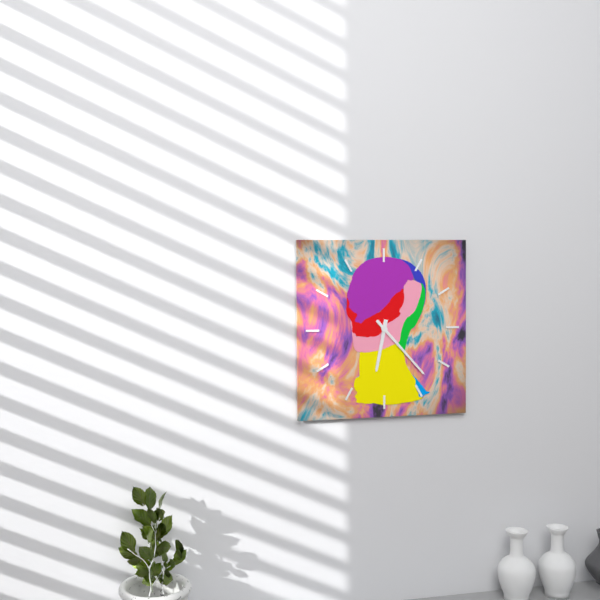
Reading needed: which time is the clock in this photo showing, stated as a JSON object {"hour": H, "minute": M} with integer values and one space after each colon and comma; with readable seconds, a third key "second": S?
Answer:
{"hour": 6, "minute": 23}
